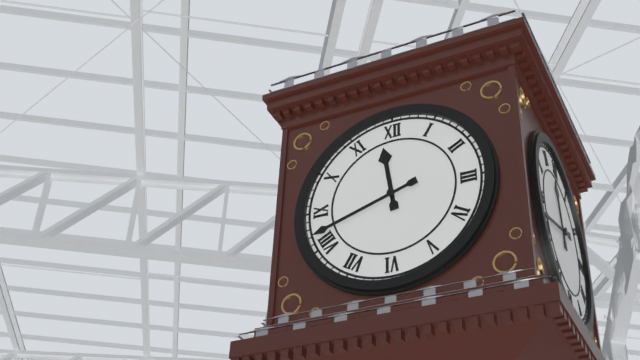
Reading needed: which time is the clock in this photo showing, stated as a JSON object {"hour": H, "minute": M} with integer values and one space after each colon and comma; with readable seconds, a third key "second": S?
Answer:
{"hour": 11, "minute": 42}
